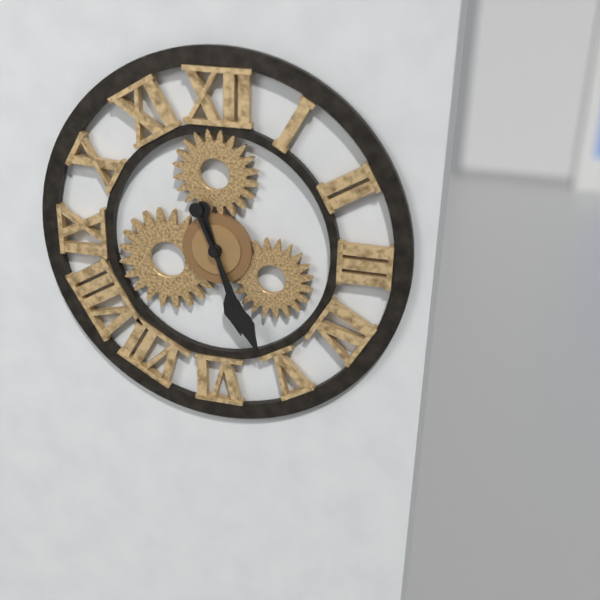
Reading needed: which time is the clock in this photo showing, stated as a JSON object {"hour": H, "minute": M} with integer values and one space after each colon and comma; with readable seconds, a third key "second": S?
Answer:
{"hour": 5, "minute": 26}
